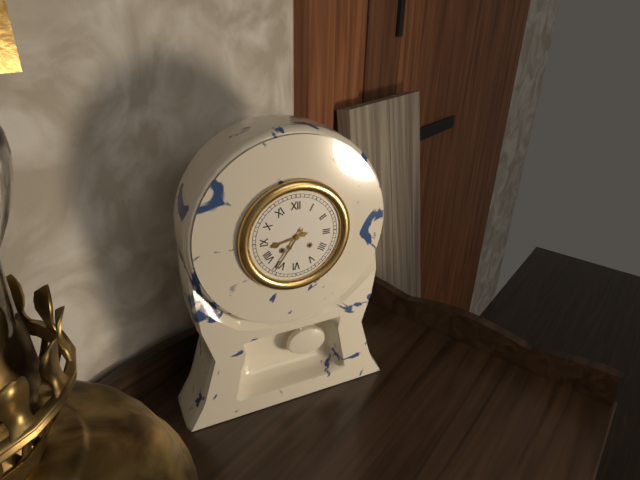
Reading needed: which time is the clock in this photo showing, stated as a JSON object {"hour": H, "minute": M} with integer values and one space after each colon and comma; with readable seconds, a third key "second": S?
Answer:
{"hour": 8, "minute": 36}
